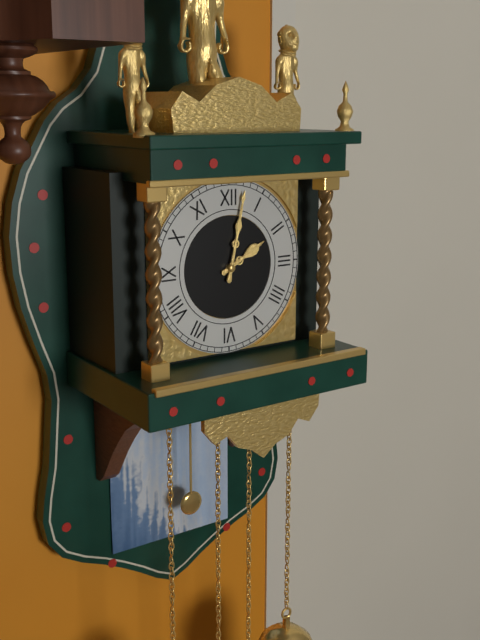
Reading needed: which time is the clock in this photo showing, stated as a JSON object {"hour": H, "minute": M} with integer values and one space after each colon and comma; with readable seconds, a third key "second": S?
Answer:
{"hour": 2, "minute": 2}
